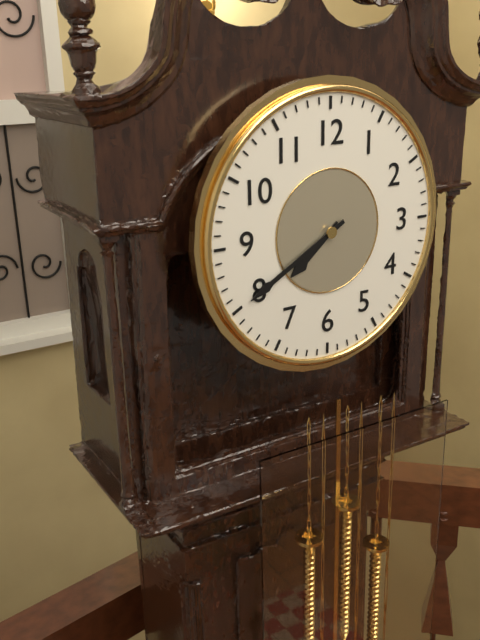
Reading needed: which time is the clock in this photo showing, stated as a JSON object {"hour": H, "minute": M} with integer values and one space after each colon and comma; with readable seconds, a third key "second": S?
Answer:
{"hour": 7, "minute": 40}
